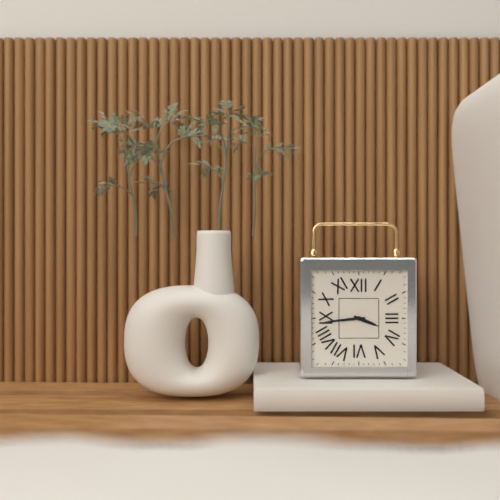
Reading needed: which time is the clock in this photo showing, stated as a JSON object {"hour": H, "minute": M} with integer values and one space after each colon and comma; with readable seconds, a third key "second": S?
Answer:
{"hour": 3, "minute": 44}
